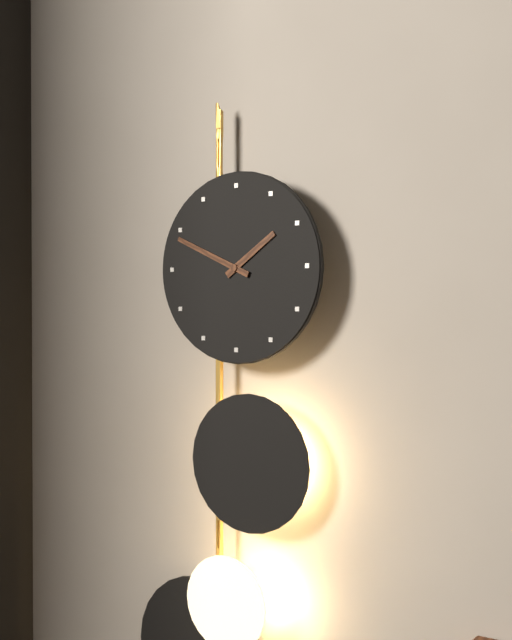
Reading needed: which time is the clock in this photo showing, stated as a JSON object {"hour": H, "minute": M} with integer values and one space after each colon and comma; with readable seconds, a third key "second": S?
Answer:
{"hour": 1, "minute": 49}
